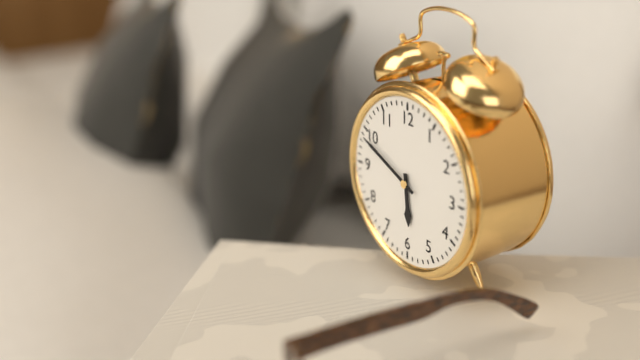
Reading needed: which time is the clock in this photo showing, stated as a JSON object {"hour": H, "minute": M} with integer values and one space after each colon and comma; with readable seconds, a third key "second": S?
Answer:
{"hour": 5, "minute": 49}
